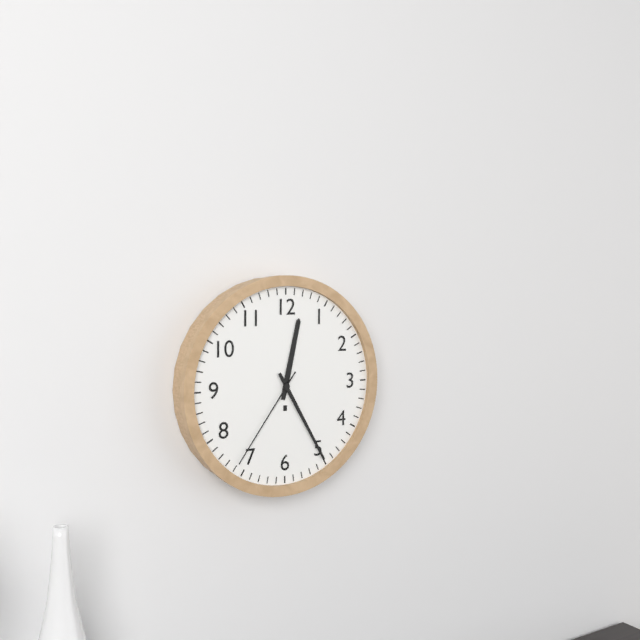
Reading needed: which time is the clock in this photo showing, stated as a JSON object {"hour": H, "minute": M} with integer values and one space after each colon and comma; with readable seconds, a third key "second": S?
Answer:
{"hour": 12, "minute": 25, "second": 36}
